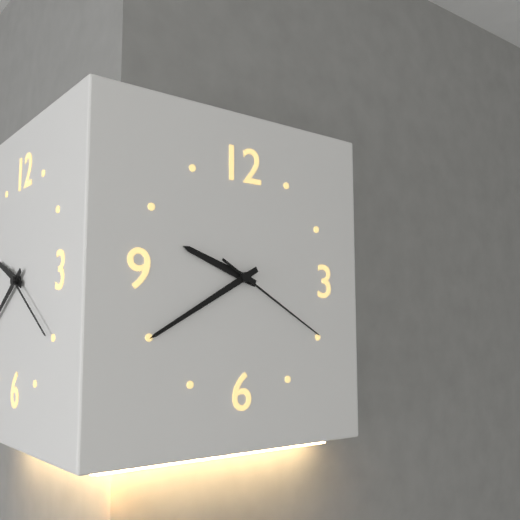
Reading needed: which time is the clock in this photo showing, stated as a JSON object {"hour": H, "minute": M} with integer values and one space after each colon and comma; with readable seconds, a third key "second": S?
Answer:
{"hour": 9, "minute": 40, "second": 20}
